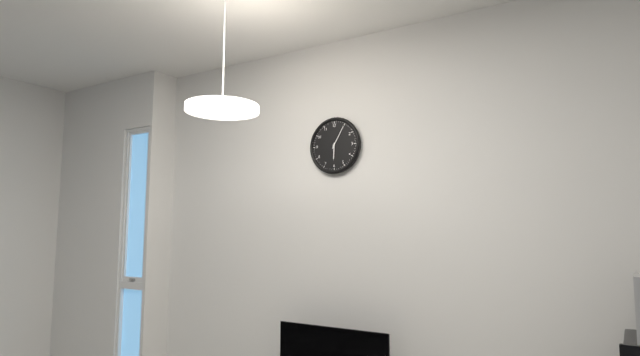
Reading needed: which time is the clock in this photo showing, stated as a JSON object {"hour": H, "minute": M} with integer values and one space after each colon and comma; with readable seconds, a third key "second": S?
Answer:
{"hour": 6, "minute": 5}
